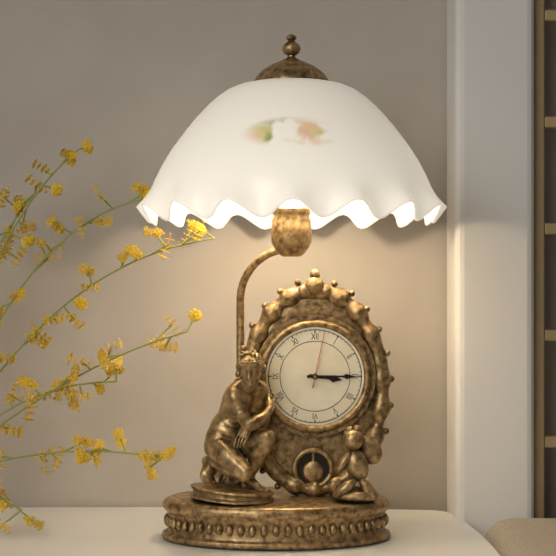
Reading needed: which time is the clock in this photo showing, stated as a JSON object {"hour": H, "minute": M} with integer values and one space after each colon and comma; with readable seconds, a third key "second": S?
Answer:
{"hour": 3, "minute": 15, "second": 2}
